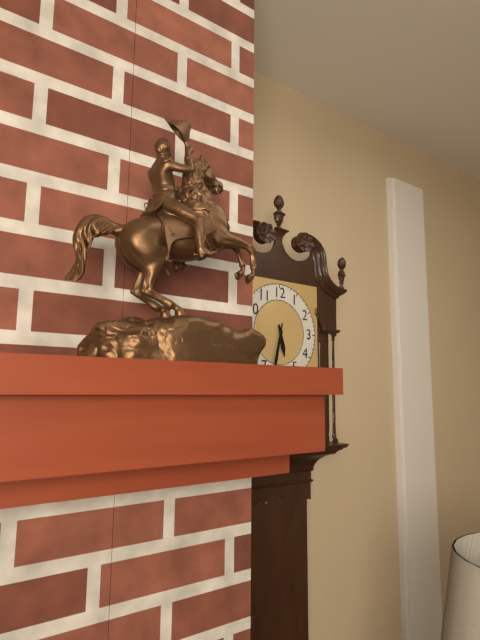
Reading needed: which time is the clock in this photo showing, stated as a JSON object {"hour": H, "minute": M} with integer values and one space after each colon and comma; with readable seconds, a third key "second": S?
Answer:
{"hour": 5, "minute": 32}
